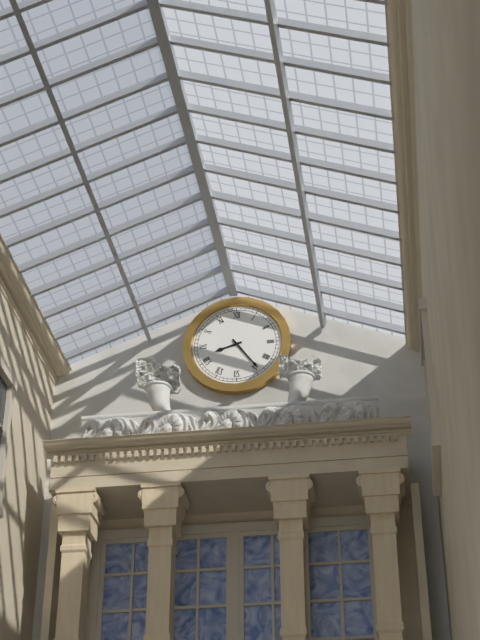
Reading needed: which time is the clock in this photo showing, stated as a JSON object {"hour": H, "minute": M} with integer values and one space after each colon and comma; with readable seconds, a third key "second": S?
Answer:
{"hour": 8, "minute": 24}
